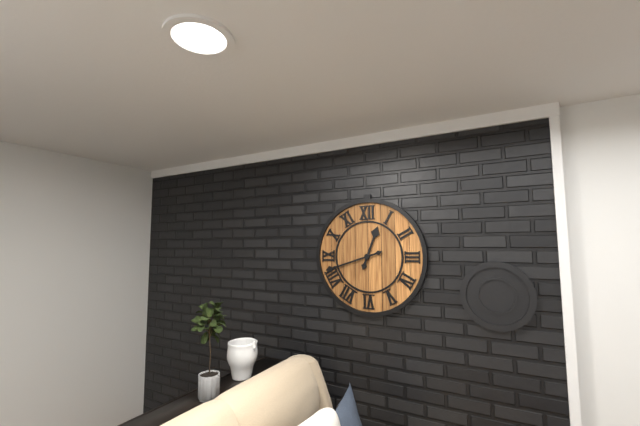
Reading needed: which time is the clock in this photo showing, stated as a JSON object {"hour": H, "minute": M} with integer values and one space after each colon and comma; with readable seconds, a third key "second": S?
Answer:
{"hour": 12, "minute": 42}
